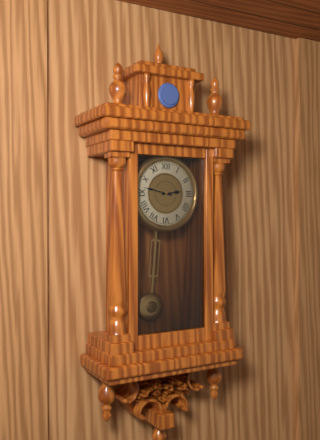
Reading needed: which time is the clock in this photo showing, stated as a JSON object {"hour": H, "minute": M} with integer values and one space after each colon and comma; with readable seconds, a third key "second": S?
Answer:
{"hour": 2, "minute": 47}
